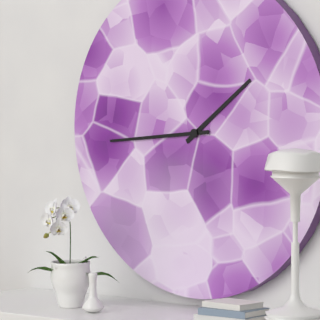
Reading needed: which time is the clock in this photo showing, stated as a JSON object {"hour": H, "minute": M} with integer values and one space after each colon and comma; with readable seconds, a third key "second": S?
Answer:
{"hour": 1, "minute": 44}
